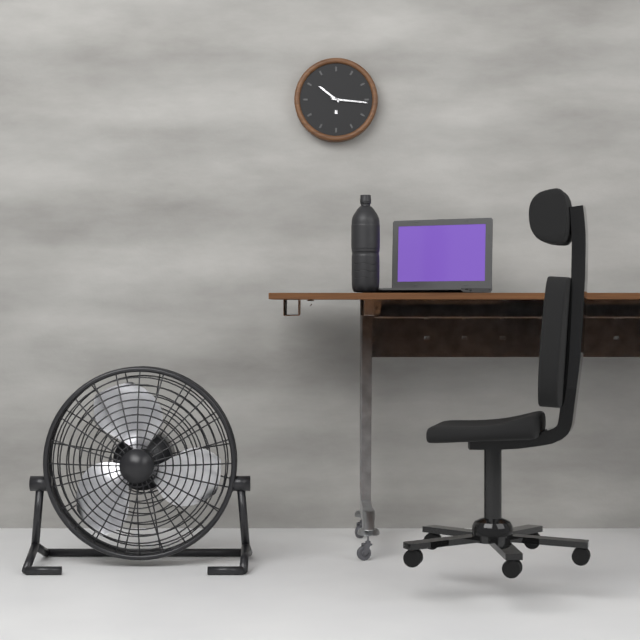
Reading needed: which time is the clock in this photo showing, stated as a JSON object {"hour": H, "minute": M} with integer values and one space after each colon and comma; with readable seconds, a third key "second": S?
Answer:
{"hour": 10, "minute": 16}
